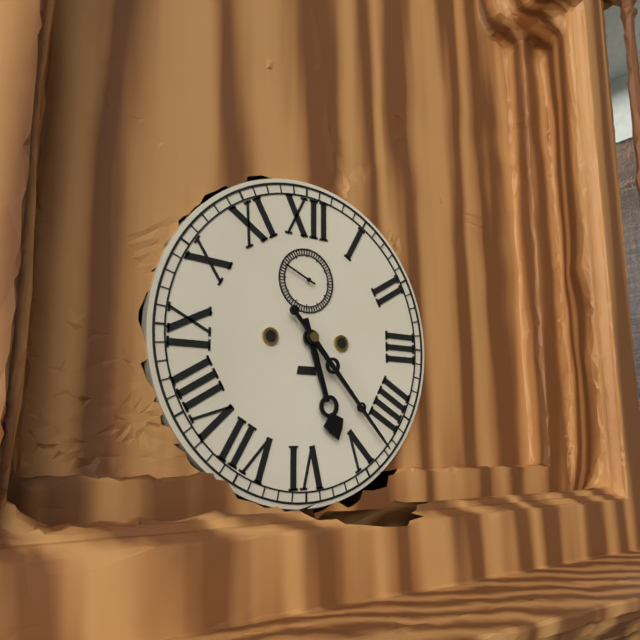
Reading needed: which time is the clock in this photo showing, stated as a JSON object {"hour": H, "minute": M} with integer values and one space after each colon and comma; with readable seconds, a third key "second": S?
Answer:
{"hour": 5, "minute": 23}
